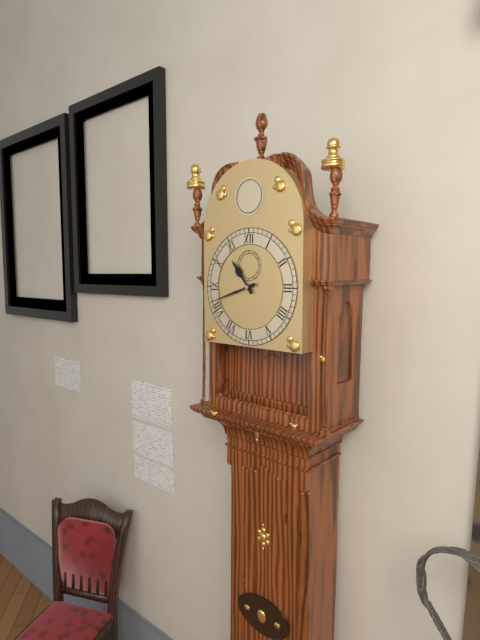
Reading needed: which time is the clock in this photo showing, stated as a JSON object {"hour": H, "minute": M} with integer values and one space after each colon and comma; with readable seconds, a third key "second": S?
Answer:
{"hour": 10, "minute": 42}
